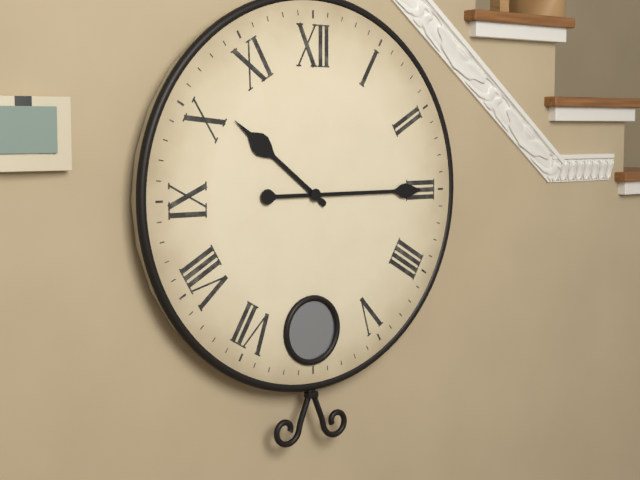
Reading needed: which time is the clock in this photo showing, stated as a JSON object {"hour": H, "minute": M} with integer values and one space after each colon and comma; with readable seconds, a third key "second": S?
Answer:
{"hour": 10, "minute": 15}
